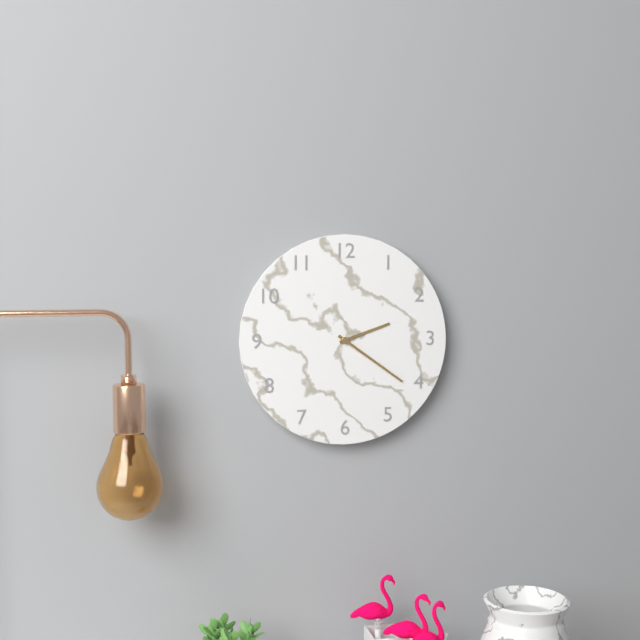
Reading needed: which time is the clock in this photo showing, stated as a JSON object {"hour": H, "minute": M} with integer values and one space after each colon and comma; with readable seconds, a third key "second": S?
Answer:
{"hour": 2, "minute": 21}
